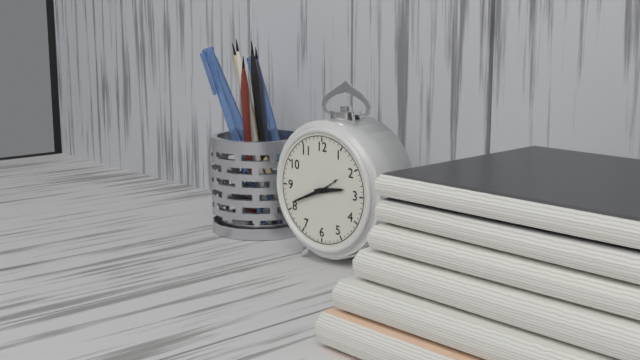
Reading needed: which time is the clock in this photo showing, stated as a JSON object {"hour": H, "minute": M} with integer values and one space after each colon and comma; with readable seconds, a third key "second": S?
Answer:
{"hour": 2, "minute": 41}
